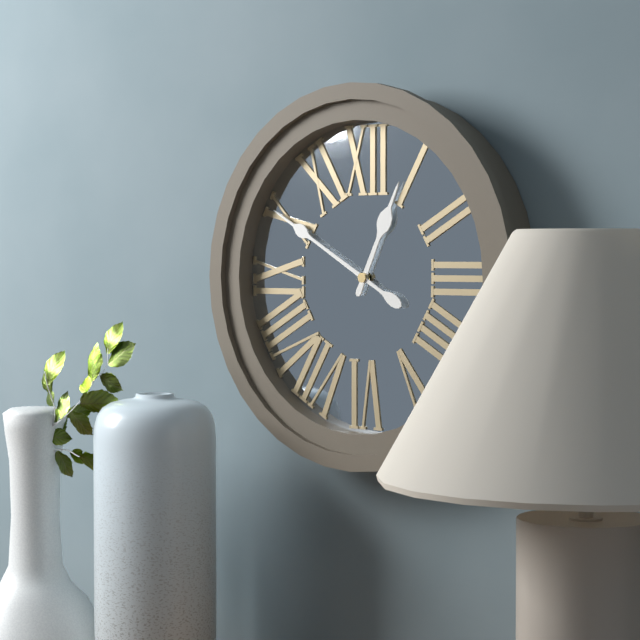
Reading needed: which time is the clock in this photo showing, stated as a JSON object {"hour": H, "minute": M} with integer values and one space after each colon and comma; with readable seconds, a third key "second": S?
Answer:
{"hour": 12, "minute": 50}
